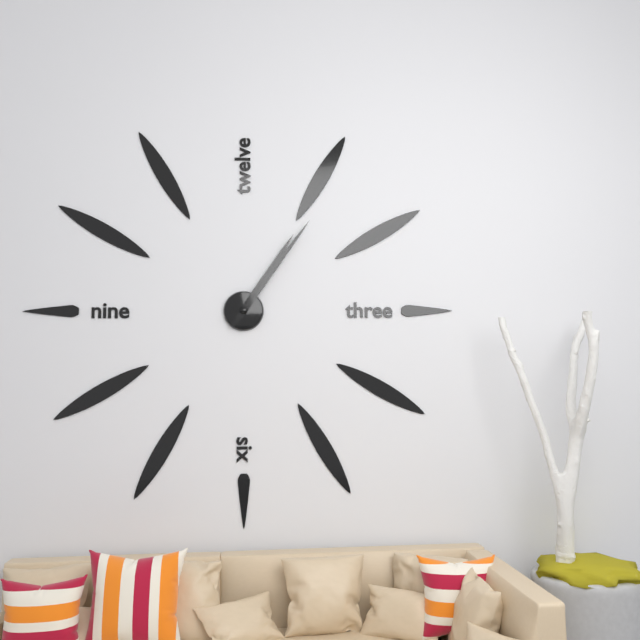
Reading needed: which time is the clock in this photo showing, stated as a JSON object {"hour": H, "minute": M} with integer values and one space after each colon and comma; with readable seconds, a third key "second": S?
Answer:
{"hour": 1, "minute": 6}
